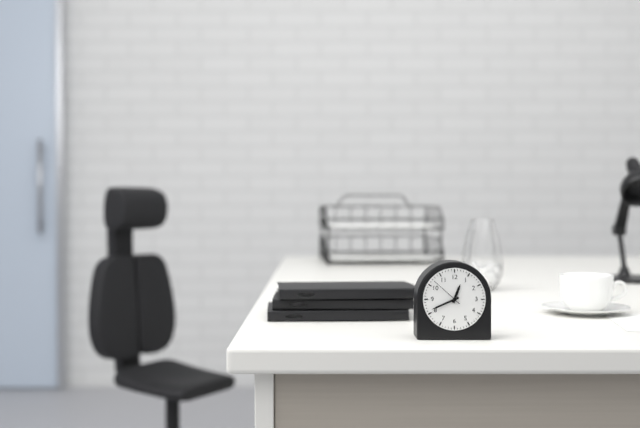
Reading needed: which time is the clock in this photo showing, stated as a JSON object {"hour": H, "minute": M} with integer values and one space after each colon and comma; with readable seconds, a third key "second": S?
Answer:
{"hour": 12, "minute": 41}
